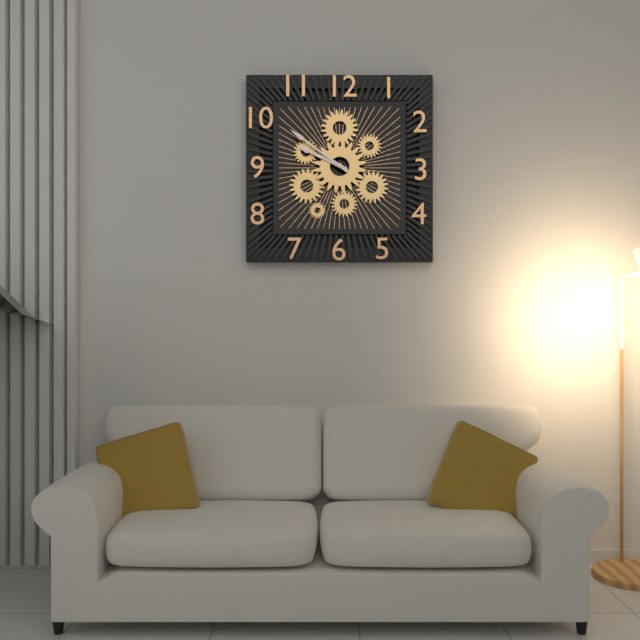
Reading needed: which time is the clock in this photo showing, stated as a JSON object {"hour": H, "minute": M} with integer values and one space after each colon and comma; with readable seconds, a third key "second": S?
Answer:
{"hour": 9, "minute": 51}
